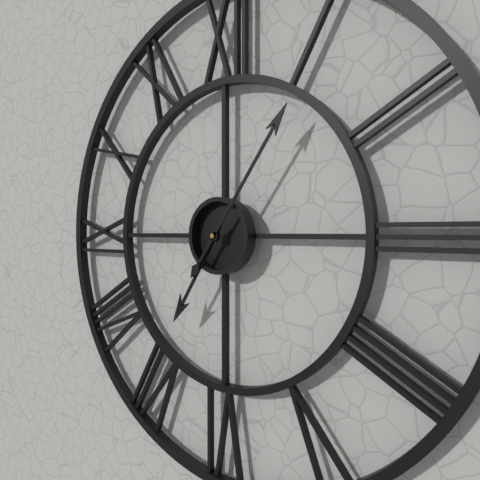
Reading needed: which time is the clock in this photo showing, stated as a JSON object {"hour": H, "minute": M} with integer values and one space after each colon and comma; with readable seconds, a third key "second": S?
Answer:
{"hour": 7, "minute": 6}
